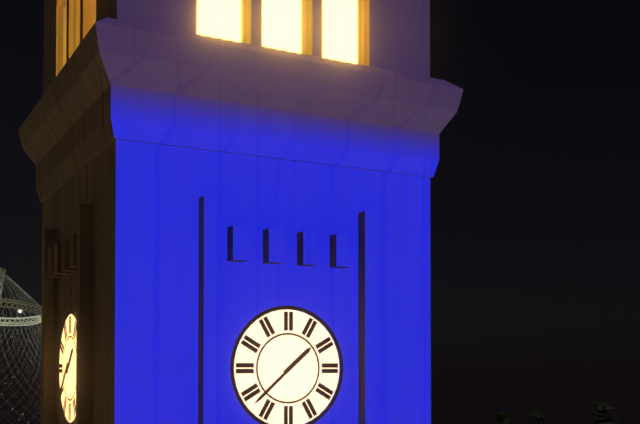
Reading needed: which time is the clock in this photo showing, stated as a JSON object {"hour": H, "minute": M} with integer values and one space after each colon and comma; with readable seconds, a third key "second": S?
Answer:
{"hour": 1, "minute": 38}
